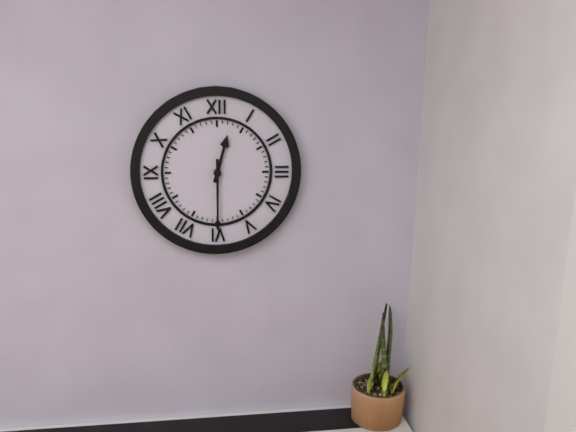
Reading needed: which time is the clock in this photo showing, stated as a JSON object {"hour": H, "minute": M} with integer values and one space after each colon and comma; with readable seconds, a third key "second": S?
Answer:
{"hour": 12, "minute": 30}
